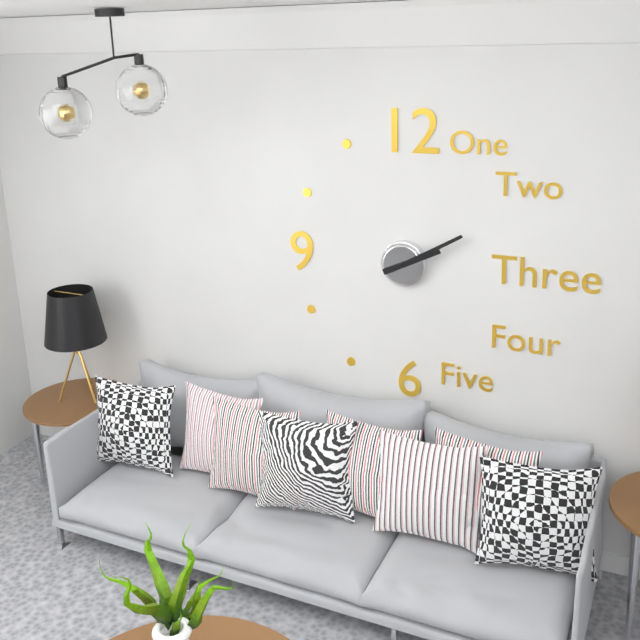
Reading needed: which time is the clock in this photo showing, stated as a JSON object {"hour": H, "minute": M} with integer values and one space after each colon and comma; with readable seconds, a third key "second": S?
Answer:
{"hour": 2, "minute": 10}
